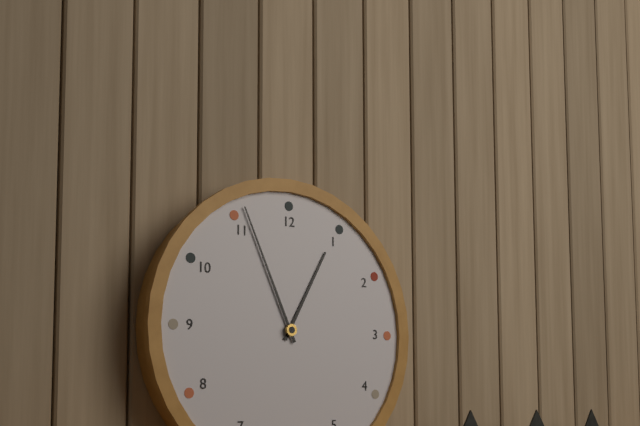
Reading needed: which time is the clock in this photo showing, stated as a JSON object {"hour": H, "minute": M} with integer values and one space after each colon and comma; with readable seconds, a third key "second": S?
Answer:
{"hour": 12, "minute": 56}
